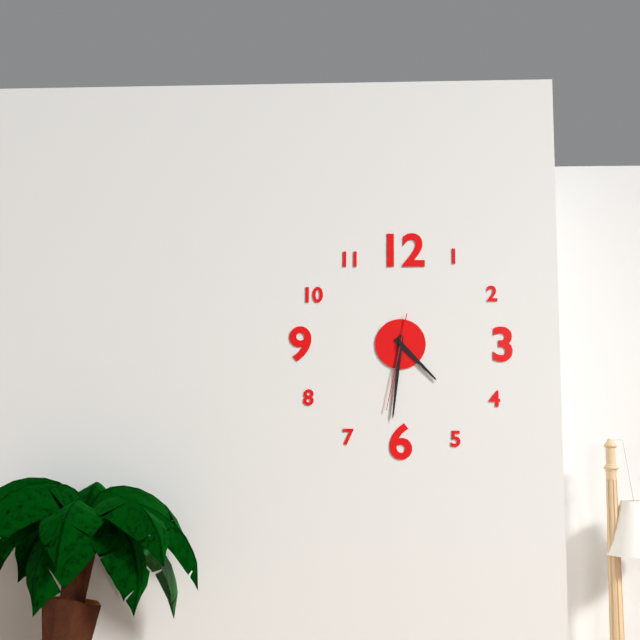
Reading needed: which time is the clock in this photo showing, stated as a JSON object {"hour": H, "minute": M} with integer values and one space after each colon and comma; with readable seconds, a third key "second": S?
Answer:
{"hour": 4, "minute": 31, "second": 32}
